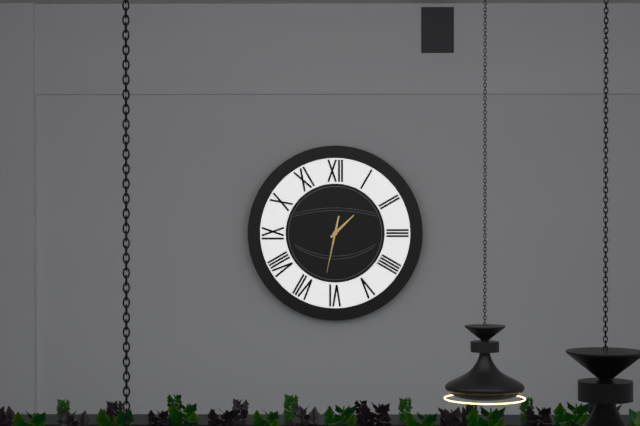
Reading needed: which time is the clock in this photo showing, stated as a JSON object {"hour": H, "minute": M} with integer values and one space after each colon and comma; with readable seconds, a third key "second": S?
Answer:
{"hour": 1, "minute": 32}
